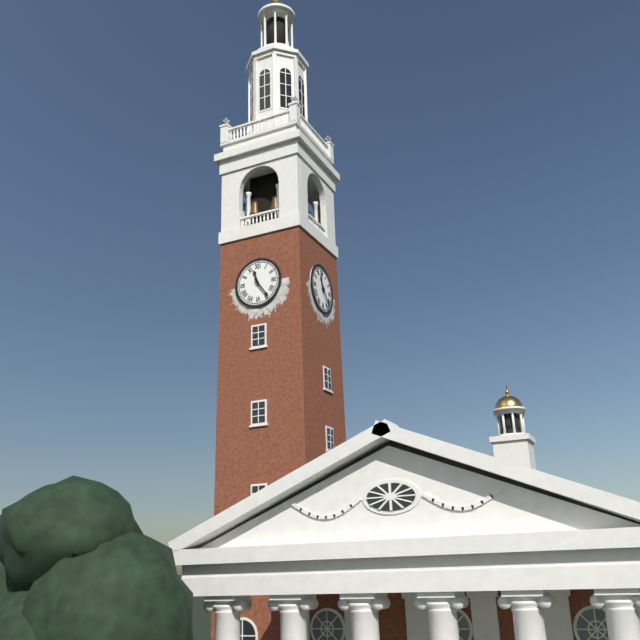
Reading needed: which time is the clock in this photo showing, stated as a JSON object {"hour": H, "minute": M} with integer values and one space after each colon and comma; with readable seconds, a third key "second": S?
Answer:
{"hour": 11, "minute": 24}
